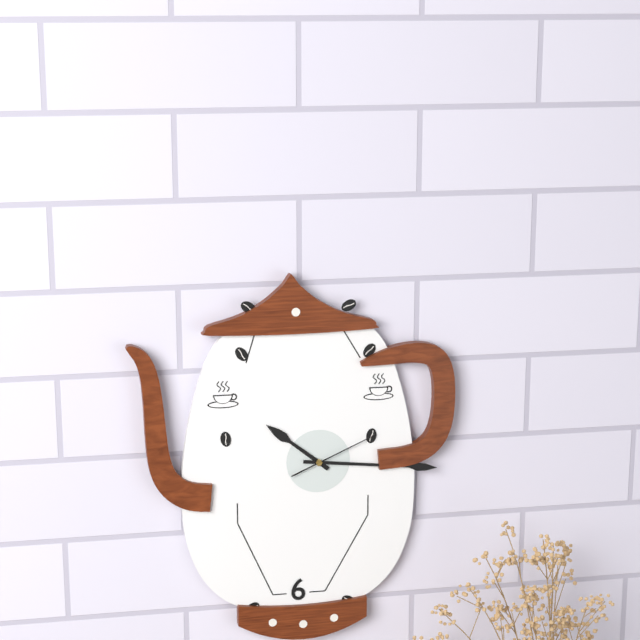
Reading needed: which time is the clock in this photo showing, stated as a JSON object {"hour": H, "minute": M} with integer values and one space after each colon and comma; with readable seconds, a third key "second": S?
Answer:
{"hour": 10, "minute": 16, "second": 11}
